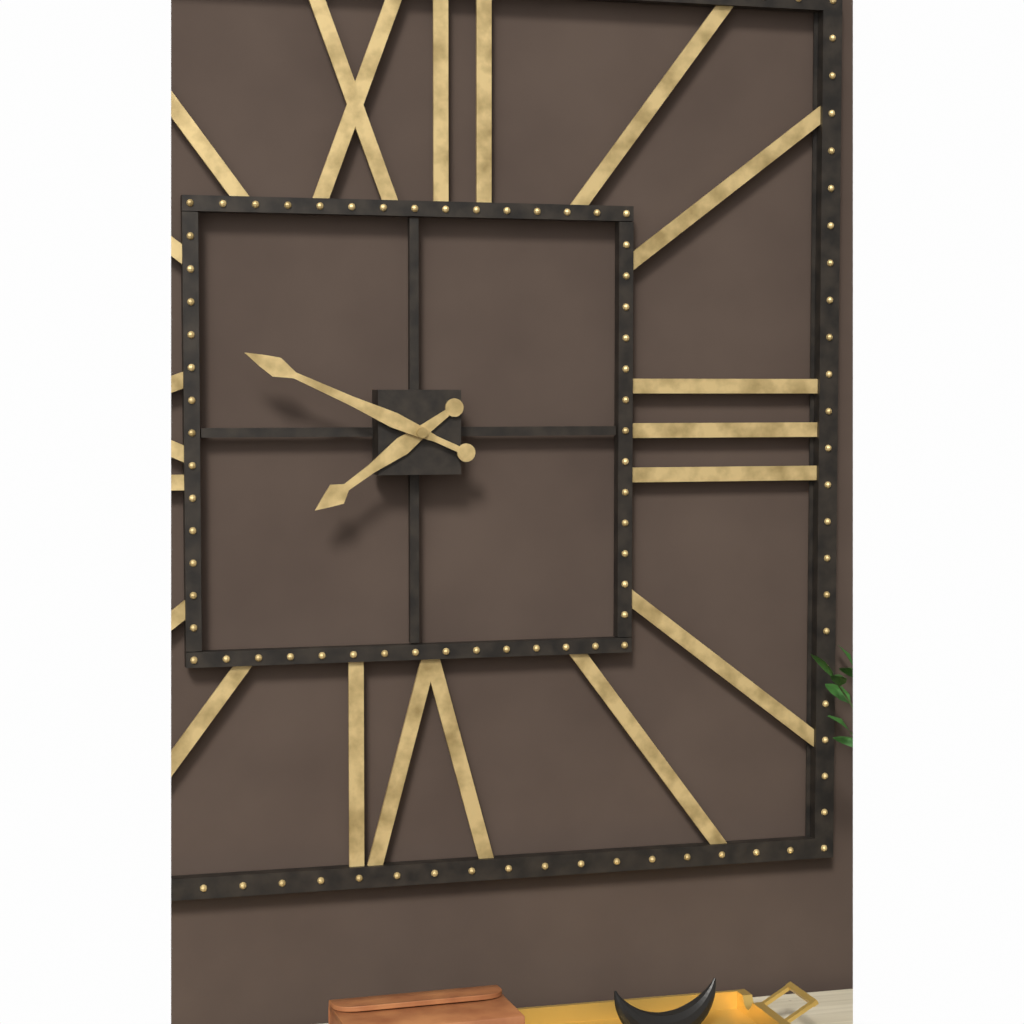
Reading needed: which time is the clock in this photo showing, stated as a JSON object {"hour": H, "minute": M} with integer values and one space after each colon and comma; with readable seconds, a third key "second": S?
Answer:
{"hour": 7, "minute": 49}
